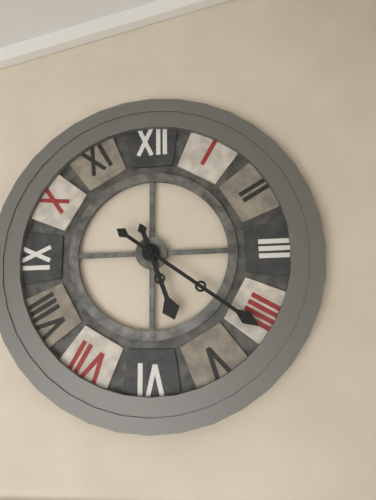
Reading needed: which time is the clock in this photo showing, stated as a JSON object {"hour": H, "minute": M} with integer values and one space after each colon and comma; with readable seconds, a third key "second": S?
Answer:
{"hour": 5, "minute": 21}
